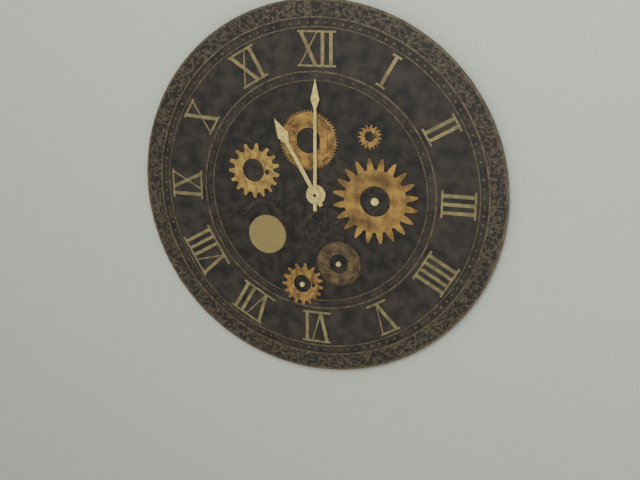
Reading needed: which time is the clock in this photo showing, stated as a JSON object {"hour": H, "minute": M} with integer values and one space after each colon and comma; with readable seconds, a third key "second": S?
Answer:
{"hour": 11, "minute": 0}
